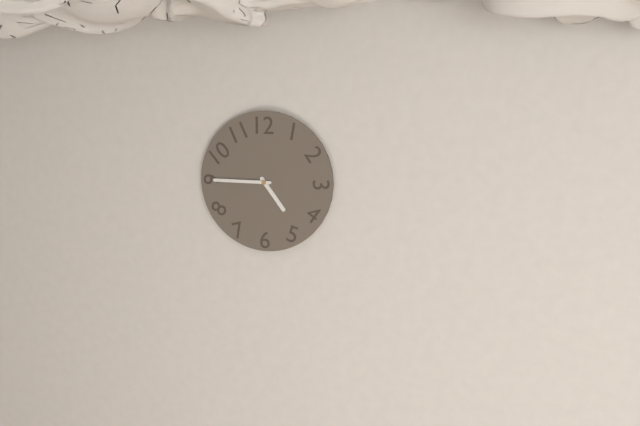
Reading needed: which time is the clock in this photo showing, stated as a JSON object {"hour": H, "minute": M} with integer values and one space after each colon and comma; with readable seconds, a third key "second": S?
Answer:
{"hour": 4, "minute": 45}
